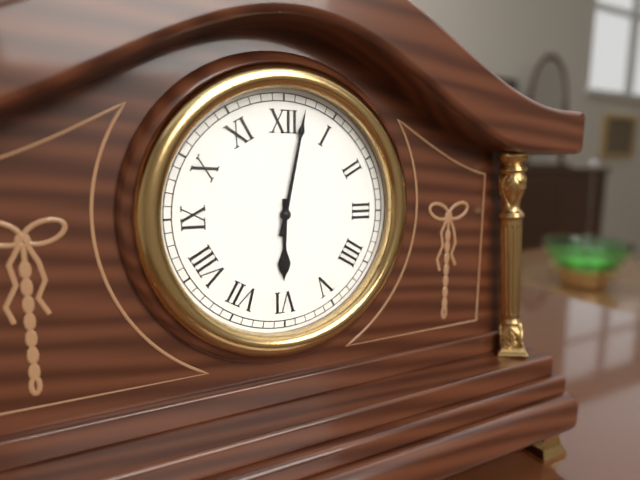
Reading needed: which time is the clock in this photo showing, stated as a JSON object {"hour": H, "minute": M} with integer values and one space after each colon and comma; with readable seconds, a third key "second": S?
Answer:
{"hour": 6, "minute": 2}
